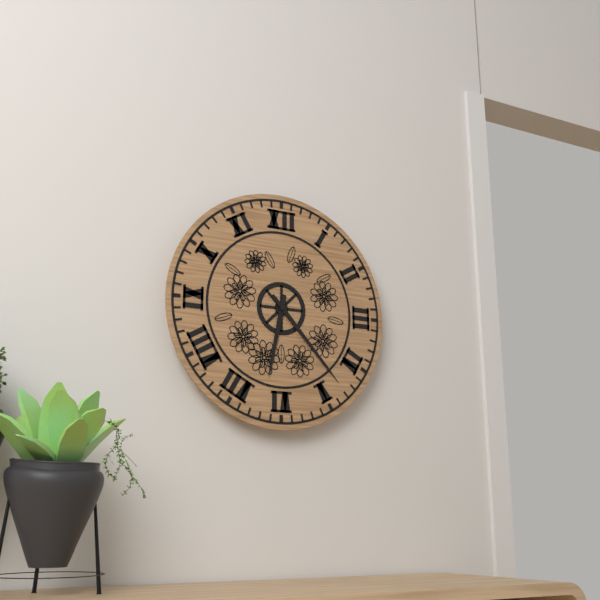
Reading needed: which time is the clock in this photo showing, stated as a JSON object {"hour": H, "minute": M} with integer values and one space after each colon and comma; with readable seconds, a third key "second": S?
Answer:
{"hour": 6, "minute": 23}
